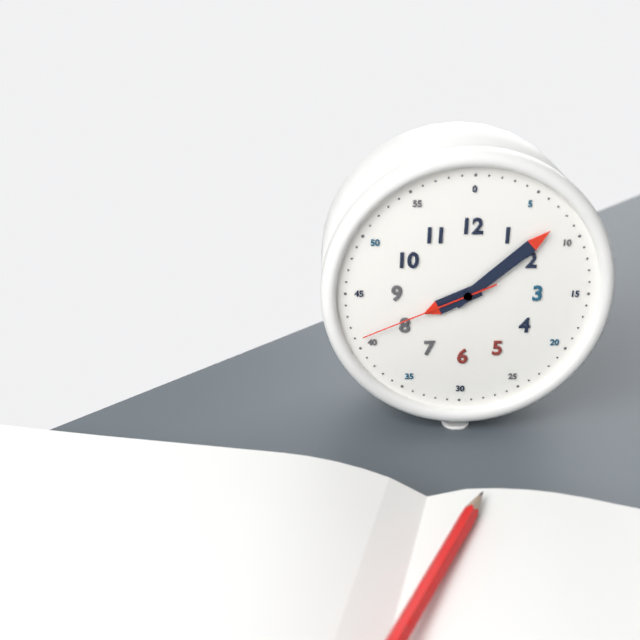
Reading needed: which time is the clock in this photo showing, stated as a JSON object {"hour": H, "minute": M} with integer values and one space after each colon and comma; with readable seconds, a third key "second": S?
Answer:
{"hour": 8, "minute": 8, "second": 41}
